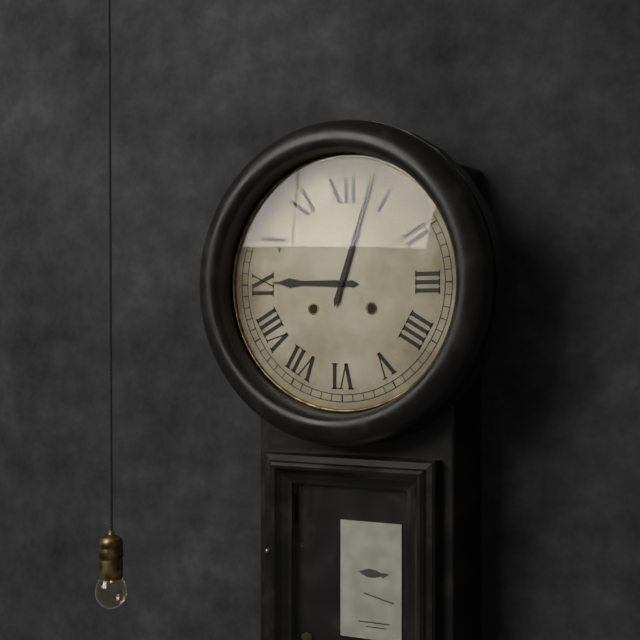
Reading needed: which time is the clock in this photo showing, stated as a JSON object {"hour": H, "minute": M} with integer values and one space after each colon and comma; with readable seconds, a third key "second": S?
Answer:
{"hour": 9, "minute": 3}
